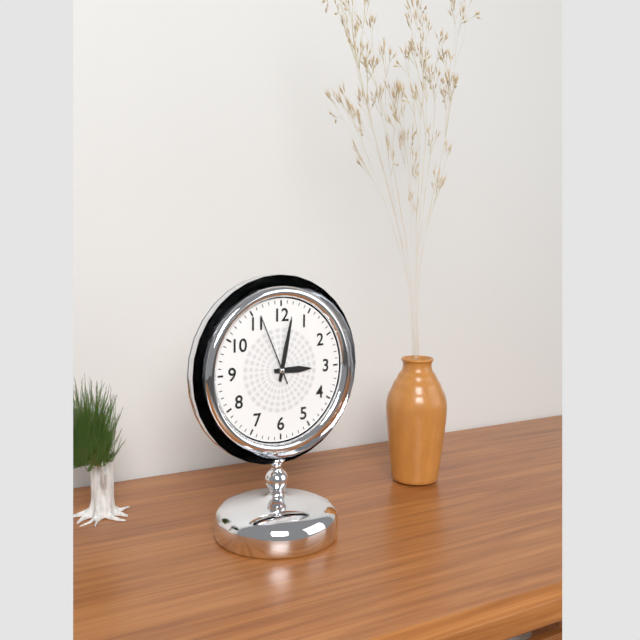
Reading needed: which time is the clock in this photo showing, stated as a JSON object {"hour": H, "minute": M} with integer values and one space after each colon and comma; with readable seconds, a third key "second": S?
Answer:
{"hour": 3, "minute": 2, "second": 56}
